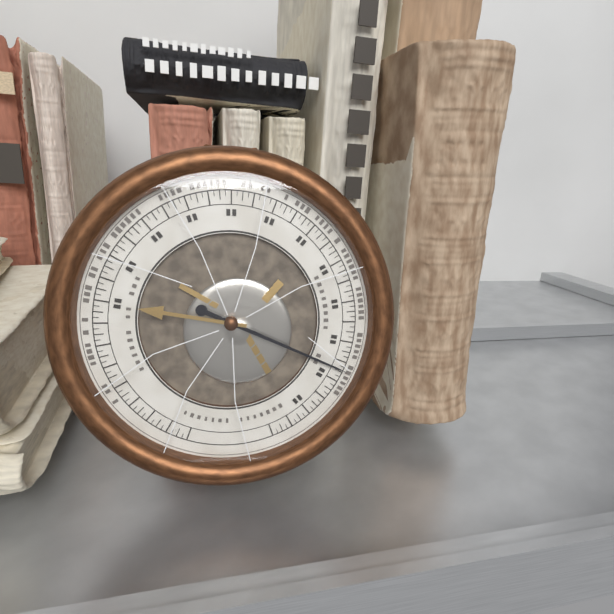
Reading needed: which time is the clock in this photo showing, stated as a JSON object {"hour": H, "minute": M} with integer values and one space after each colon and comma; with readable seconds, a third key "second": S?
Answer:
{"hour": 9, "minute": 19}
